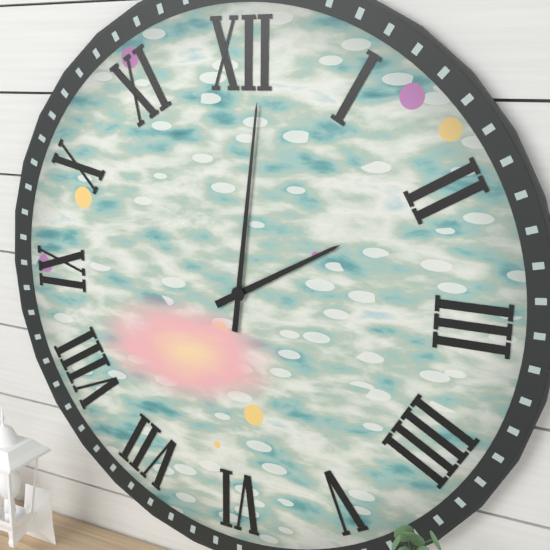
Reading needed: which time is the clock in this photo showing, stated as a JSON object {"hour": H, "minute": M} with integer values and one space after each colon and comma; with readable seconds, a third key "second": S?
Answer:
{"hour": 2, "minute": 1}
